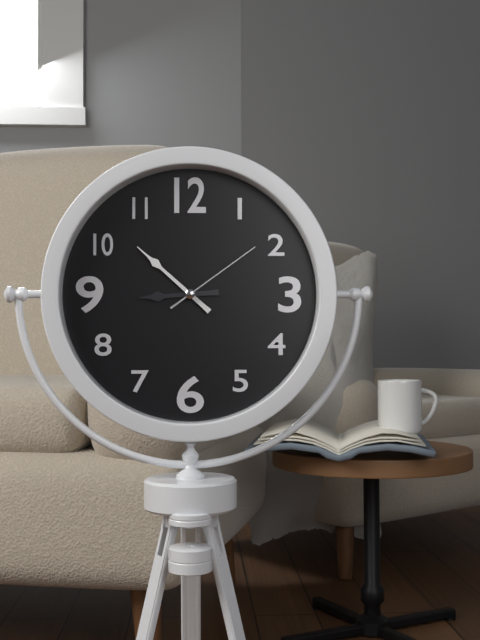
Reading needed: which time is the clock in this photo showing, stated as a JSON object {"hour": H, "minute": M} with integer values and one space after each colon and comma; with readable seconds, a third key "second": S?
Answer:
{"hour": 8, "minute": 52, "second": 9}
